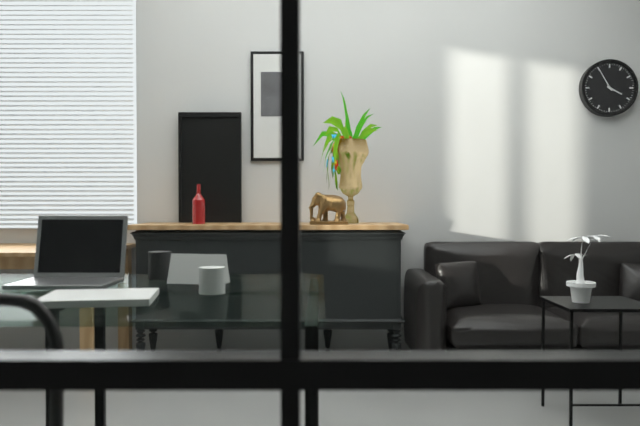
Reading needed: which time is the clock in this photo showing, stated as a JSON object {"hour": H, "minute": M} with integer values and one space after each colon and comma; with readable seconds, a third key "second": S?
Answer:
{"hour": 3, "minute": 55}
